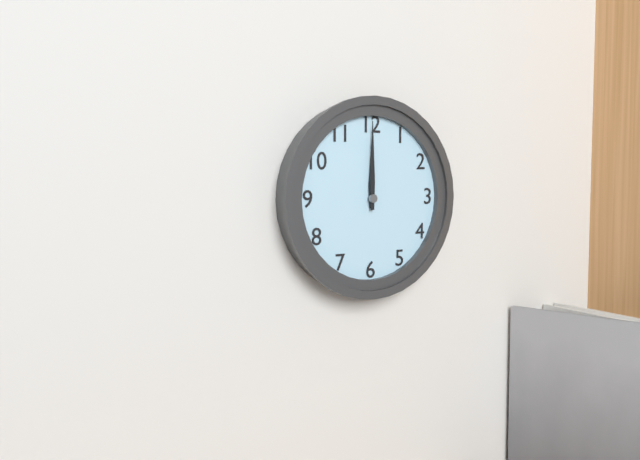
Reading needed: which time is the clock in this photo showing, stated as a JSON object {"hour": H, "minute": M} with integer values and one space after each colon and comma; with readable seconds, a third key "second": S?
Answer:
{"hour": 12, "minute": 0}
